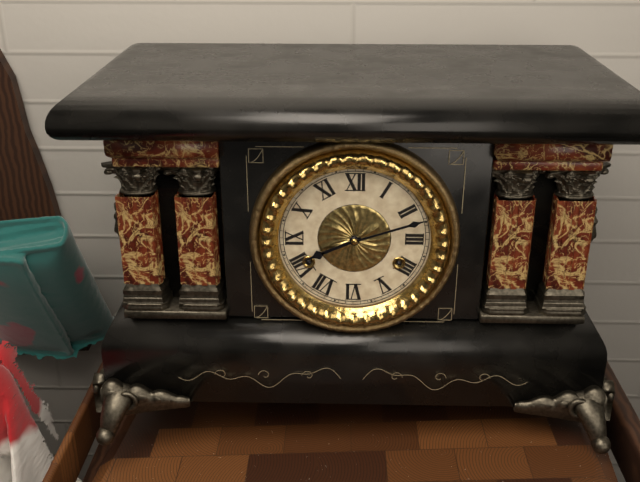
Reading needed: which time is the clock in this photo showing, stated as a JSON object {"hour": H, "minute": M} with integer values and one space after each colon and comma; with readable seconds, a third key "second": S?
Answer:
{"hour": 8, "minute": 12}
